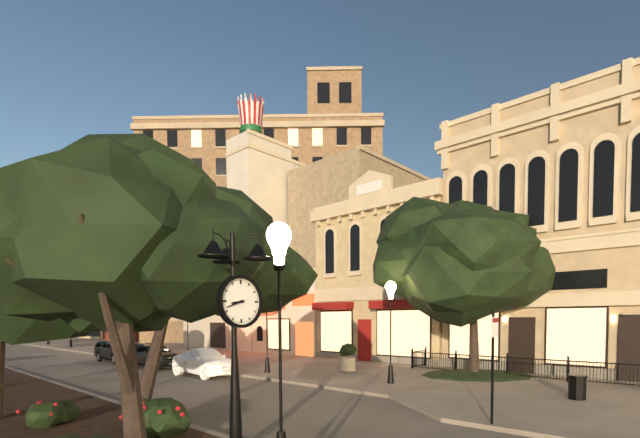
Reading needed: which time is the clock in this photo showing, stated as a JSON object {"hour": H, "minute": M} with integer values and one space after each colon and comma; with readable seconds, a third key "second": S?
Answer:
{"hour": 8, "minute": 42}
